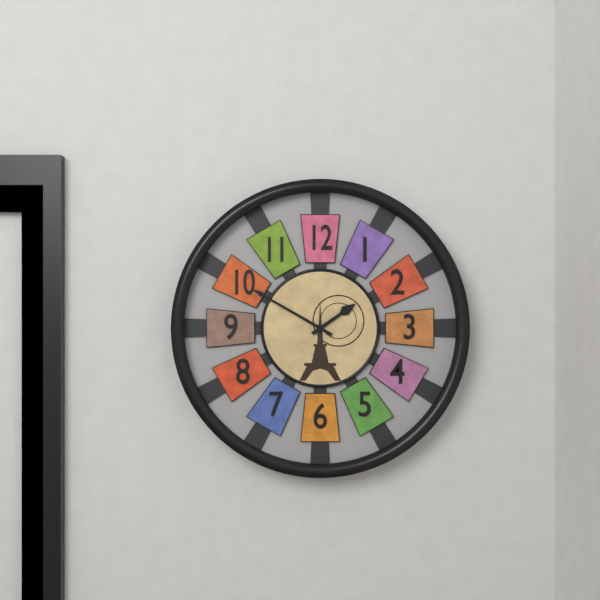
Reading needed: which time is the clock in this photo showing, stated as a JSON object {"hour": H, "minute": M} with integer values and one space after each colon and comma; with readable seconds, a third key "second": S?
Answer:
{"hour": 1, "minute": 50}
